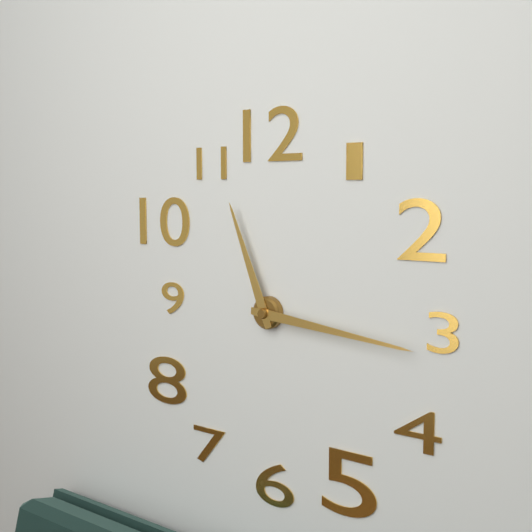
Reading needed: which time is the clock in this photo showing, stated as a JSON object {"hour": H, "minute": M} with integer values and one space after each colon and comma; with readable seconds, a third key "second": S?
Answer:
{"hour": 11, "minute": 16}
